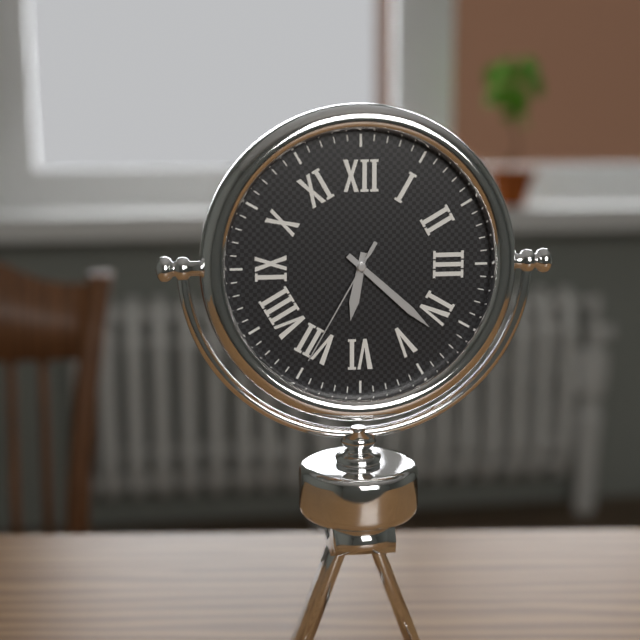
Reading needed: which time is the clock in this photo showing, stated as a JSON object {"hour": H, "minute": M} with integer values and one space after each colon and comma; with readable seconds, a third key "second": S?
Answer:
{"hour": 6, "minute": 22, "second": 35}
